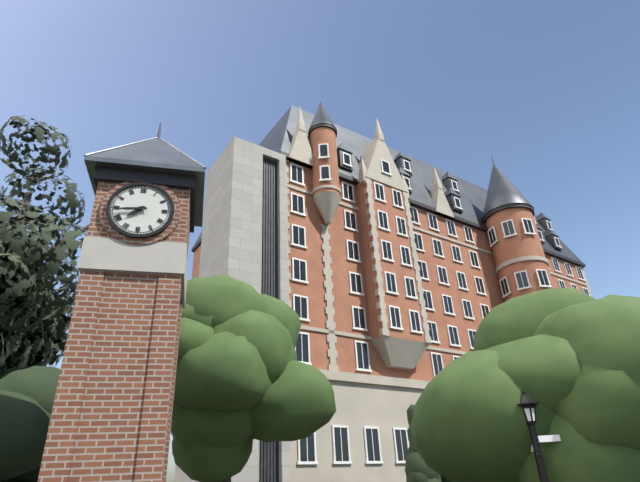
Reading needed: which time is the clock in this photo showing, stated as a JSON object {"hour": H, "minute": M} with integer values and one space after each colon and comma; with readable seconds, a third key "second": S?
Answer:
{"hour": 7, "minute": 44}
